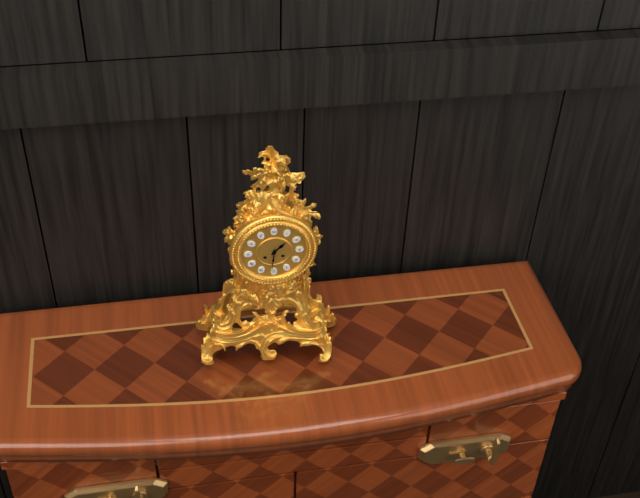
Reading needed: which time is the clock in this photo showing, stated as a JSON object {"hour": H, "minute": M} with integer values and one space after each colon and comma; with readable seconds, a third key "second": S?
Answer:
{"hour": 1, "minute": 31}
